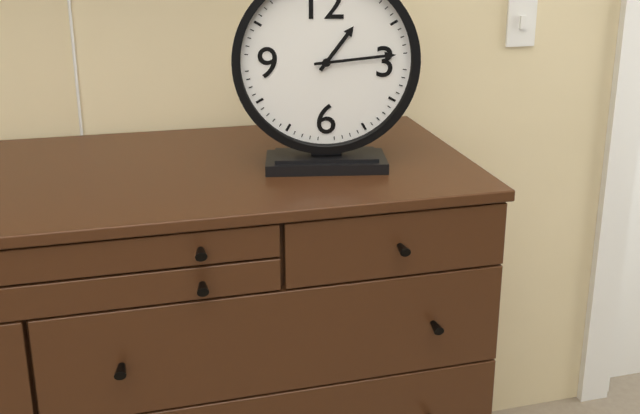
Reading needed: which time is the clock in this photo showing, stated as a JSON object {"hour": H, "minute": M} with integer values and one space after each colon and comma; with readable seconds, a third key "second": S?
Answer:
{"hour": 1, "minute": 14}
